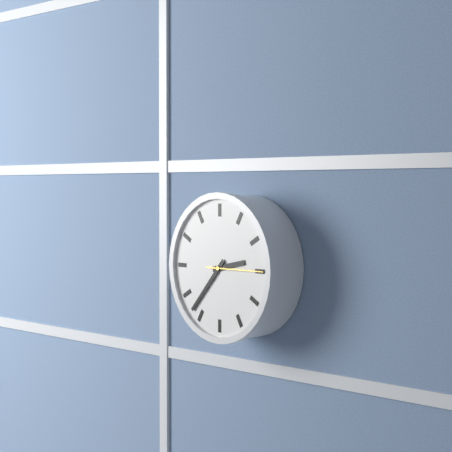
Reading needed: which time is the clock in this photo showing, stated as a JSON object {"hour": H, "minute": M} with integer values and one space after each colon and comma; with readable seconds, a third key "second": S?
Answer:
{"hour": 2, "minute": 37, "second": 15}
